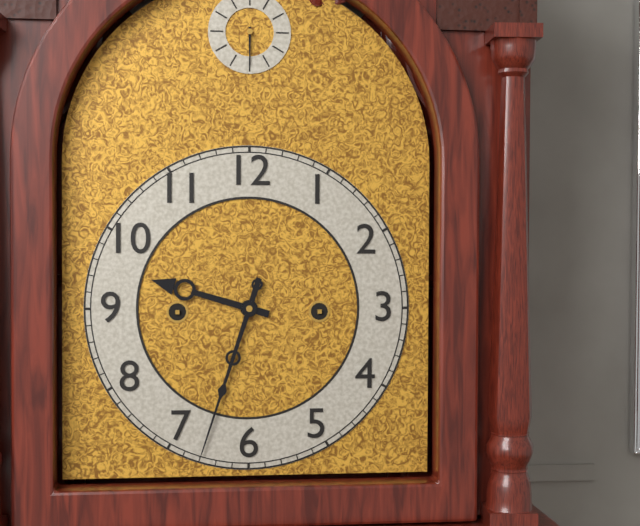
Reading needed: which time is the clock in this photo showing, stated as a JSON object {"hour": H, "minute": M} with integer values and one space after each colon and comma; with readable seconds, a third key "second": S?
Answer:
{"hour": 9, "minute": 33}
